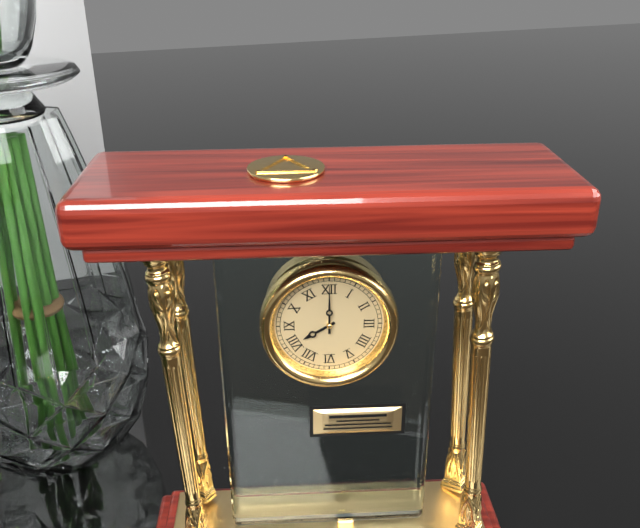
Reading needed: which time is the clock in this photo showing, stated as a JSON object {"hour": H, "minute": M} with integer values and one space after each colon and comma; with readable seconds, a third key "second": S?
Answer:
{"hour": 8, "minute": 0}
